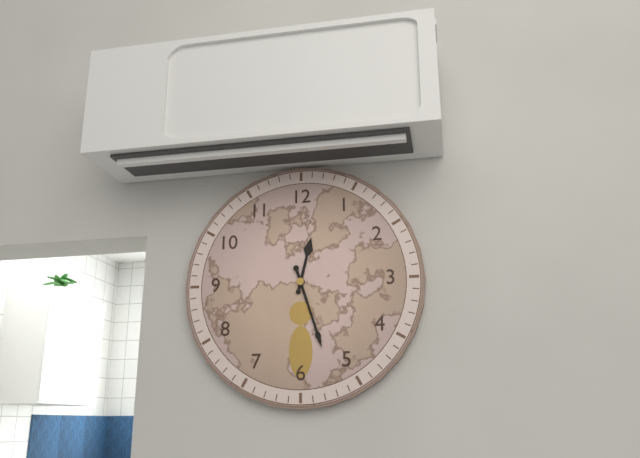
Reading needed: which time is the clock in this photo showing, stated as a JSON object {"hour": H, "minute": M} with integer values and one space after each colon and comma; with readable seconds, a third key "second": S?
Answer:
{"hour": 12, "minute": 27}
